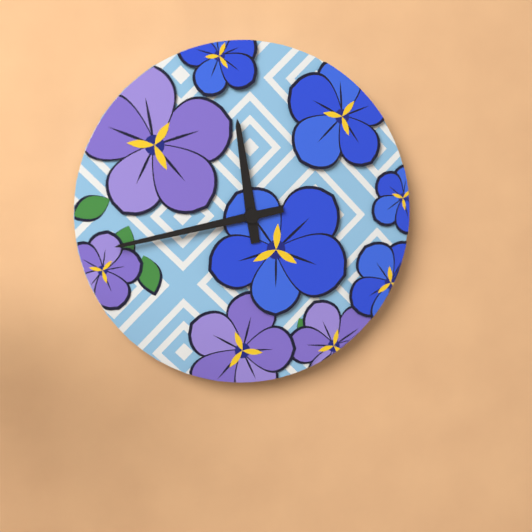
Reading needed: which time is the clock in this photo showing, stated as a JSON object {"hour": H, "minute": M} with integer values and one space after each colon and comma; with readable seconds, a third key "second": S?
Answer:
{"hour": 11, "minute": 43}
